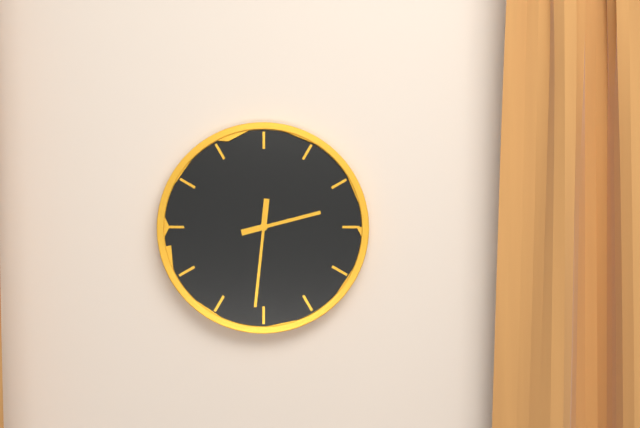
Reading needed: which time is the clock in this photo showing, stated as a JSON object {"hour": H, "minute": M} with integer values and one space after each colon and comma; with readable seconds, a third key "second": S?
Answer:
{"hour": 2, "minute": 31}
